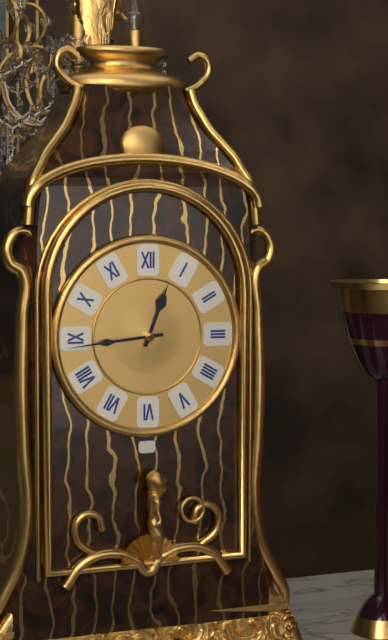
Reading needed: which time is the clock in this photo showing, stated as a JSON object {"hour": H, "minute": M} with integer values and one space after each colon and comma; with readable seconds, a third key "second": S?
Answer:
{"hour": 12, "minute": 44}
